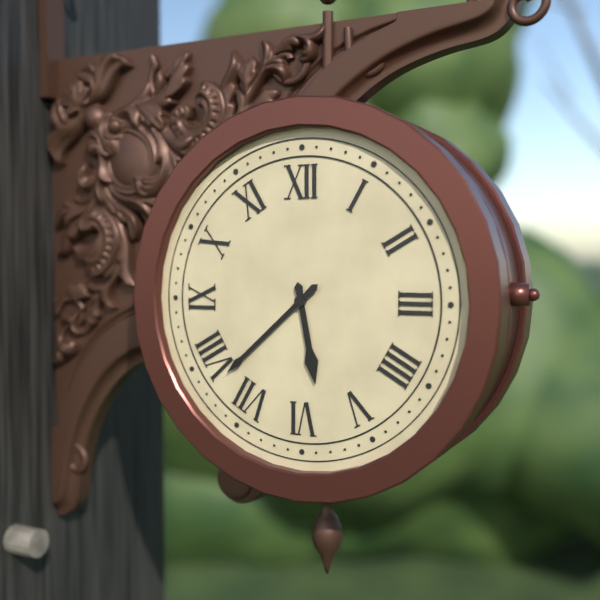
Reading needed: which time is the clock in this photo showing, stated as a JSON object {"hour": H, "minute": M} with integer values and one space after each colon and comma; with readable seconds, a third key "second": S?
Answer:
{"hour": 5, "minute": 38}
